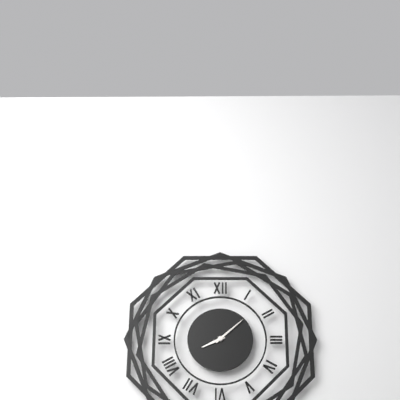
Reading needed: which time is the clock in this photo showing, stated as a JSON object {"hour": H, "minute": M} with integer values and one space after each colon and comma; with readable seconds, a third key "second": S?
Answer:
{"hour": 8, "minute": 8}
